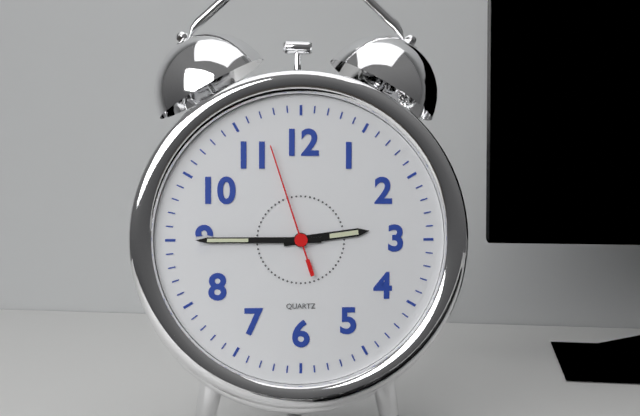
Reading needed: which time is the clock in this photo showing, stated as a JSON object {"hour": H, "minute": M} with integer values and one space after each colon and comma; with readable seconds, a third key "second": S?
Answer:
{"hour": 2, "minute": 45, "second": 57}
